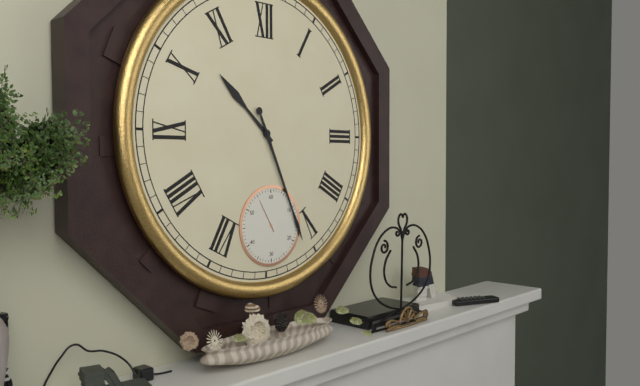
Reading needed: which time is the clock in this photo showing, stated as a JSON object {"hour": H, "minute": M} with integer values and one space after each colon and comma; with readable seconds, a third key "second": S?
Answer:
{"hour": 10, "minute": 26}
